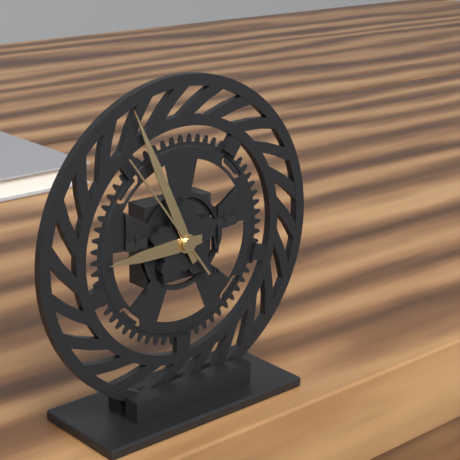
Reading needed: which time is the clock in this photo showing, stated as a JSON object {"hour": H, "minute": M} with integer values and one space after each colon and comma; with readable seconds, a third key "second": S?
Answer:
{"hour": 8, "minute": 56, "second": 54}
